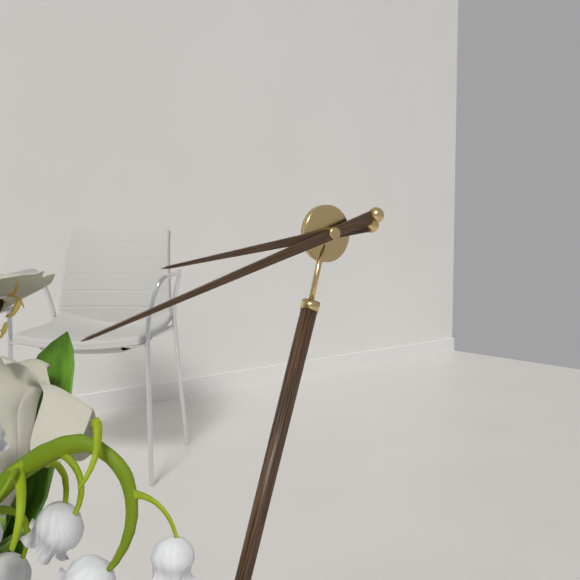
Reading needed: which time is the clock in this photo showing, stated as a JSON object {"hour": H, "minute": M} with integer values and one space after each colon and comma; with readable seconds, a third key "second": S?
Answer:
{"hour": 8, "minute": 42}
